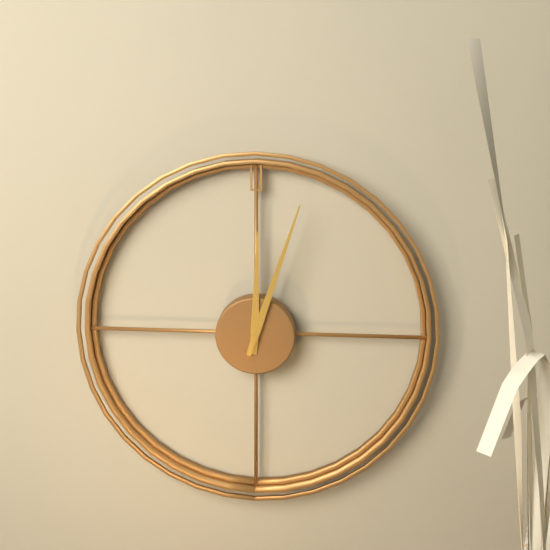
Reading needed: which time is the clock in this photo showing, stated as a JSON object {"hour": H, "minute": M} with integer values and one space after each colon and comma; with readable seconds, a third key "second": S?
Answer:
{"hour": 12, "minute": 3}
